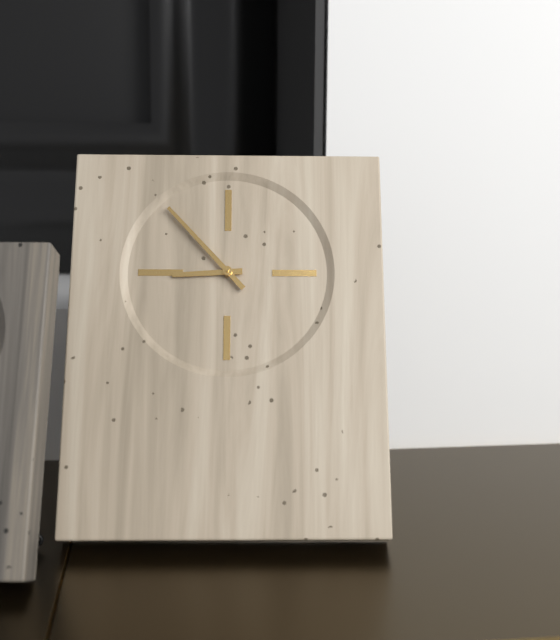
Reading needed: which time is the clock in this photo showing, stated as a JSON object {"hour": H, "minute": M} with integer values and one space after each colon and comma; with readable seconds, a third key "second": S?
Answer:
{"hour": 8, "minute": 53}
